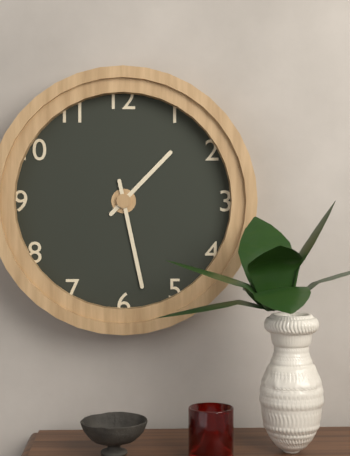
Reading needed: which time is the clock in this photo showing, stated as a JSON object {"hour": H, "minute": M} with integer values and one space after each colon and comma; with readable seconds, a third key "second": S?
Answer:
{"hour": 1, "minute": 28}
